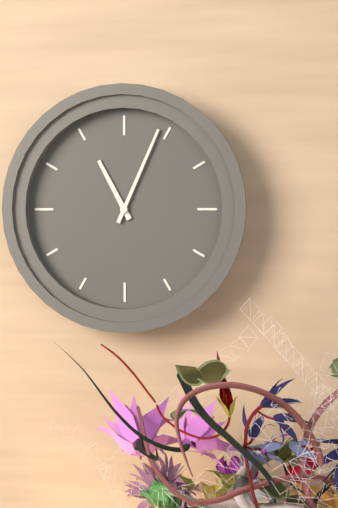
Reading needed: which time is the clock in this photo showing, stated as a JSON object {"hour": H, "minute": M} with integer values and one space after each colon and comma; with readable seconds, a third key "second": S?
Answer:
{"hour": 11, "minute": 4}
